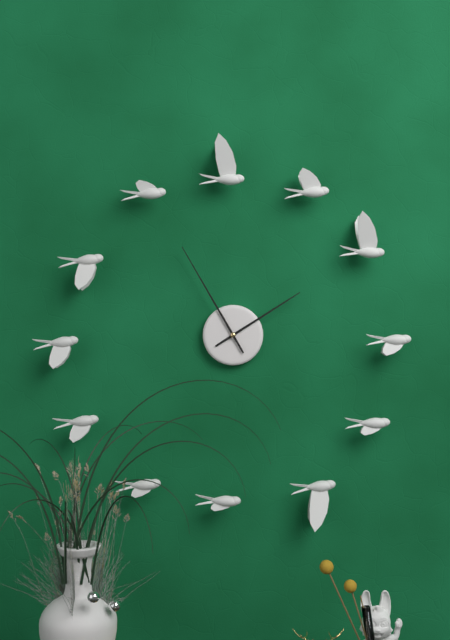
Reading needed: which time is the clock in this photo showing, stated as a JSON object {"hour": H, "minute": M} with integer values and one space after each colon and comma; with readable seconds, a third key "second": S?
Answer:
{"hour": 1, "minute": 55}
